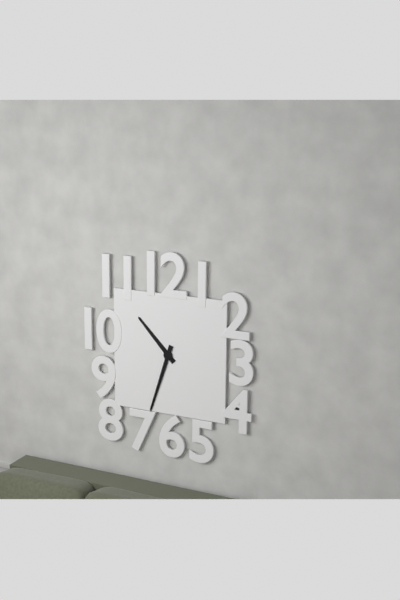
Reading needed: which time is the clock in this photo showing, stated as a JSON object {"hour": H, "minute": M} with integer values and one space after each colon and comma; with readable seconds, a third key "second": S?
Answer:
{"hour": 10, "minute": 33}
